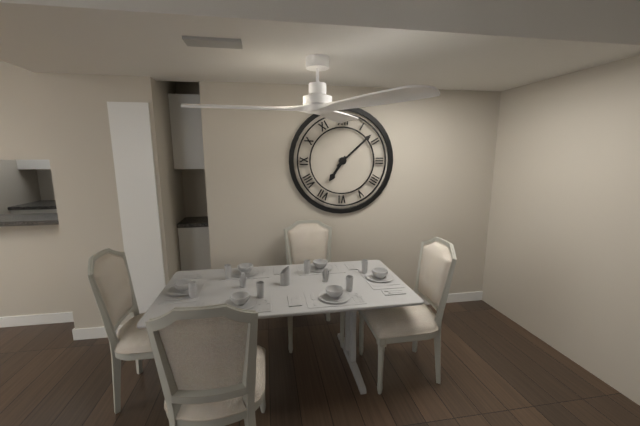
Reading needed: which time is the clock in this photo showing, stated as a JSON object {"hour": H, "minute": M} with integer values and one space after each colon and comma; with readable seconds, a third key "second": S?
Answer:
{"hour": 7, "minute": 8}
